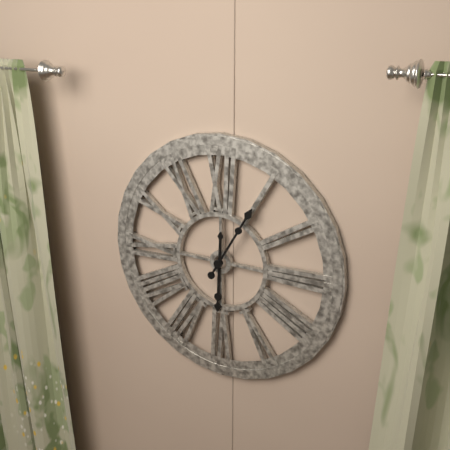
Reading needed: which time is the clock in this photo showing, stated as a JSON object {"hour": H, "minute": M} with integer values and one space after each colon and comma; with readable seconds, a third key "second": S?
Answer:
{"hour": 6, "minute": 5}
